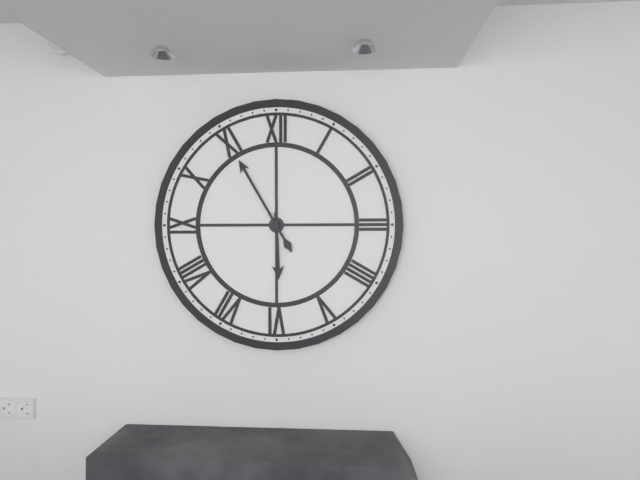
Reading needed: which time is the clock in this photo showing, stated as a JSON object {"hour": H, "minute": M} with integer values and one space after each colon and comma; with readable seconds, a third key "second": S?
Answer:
{"hour": 5, "minute": 55}
